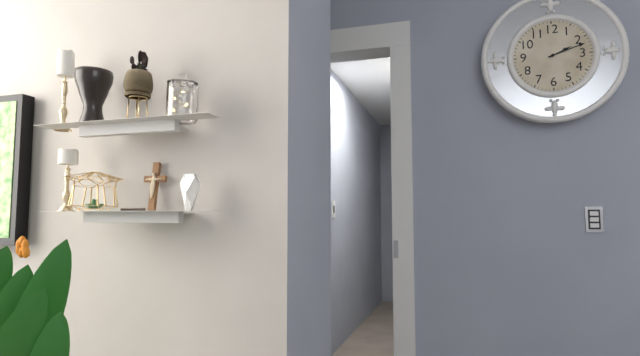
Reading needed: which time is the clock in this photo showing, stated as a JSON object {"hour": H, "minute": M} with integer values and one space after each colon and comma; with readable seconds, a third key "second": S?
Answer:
{"hour": 2, "minute": 12}
